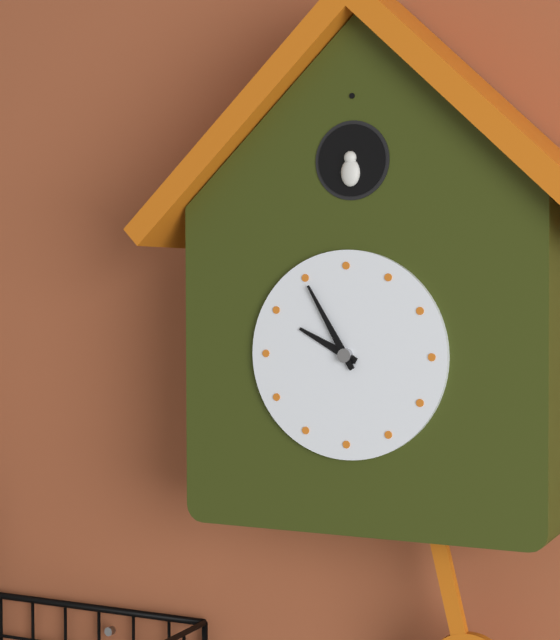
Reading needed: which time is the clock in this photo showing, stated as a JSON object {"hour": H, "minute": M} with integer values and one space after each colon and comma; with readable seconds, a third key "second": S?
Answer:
{"hour": 9, "minute": 55}
